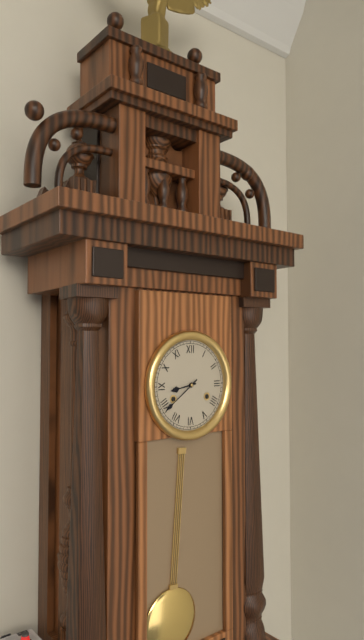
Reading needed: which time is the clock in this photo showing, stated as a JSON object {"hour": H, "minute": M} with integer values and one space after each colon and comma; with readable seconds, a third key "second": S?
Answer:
{"hour": 8, "minute": 39}
